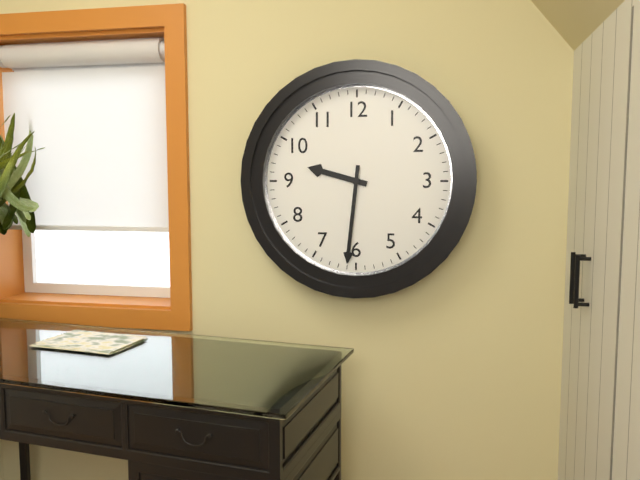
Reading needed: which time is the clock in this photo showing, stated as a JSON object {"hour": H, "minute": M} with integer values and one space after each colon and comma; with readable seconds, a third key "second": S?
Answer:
{"hour": 9, "minute": 31}
